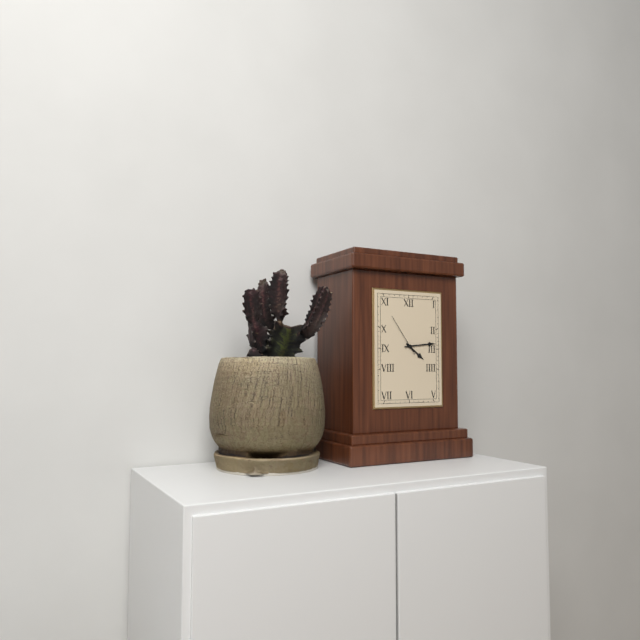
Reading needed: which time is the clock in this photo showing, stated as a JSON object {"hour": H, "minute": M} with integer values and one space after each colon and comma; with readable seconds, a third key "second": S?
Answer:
{"hour": 4, "minute": 14, "second": 54}
